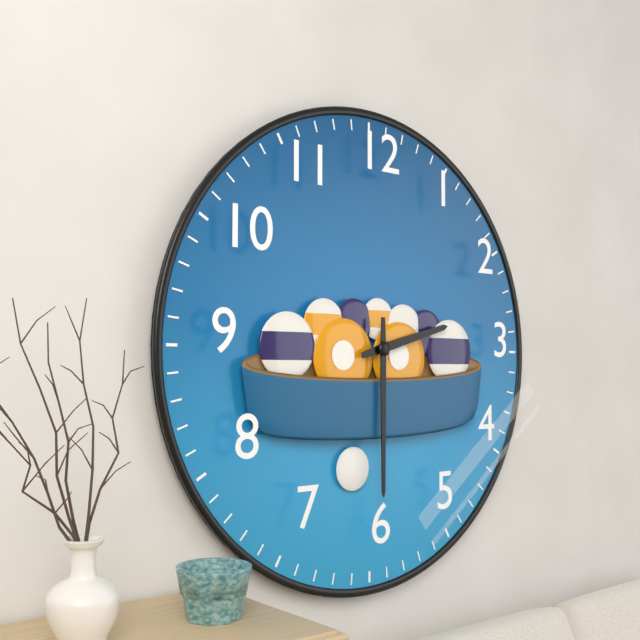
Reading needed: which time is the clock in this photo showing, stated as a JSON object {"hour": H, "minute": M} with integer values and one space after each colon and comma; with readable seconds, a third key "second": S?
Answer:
{"hour": 2, "minute": 30}
